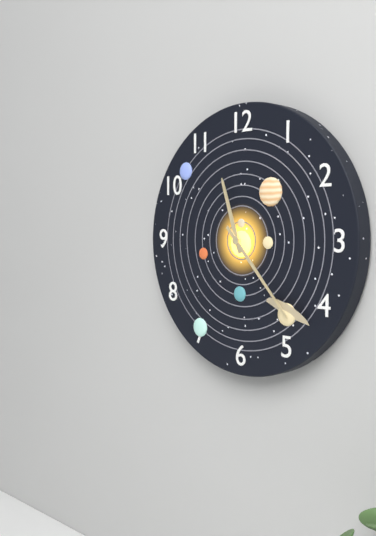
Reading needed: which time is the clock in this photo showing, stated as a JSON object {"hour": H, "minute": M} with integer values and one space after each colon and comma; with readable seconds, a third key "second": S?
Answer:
{"hour": 11, "minute": 23}
